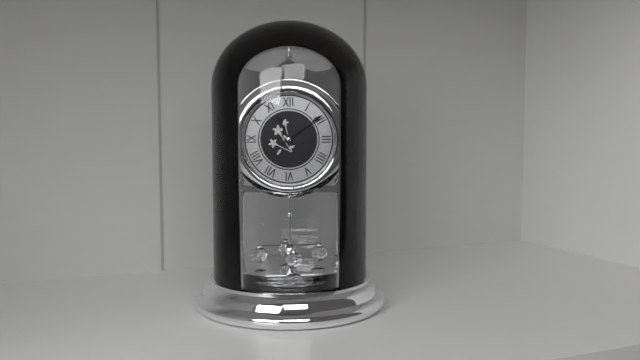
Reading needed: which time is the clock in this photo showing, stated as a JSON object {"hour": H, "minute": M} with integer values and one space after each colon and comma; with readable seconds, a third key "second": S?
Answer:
{"hour": 11, "minute": 9}
